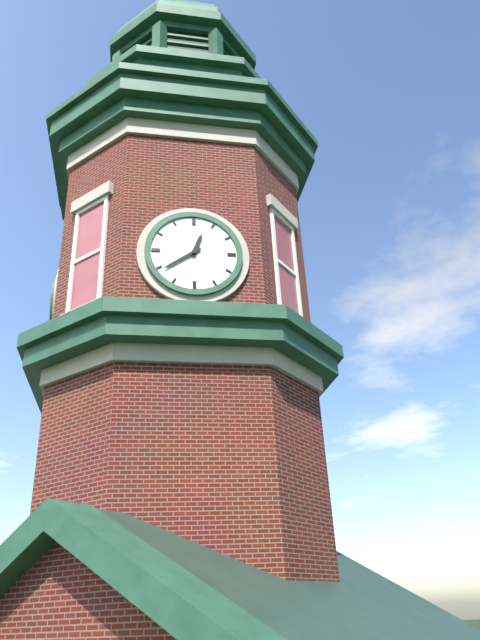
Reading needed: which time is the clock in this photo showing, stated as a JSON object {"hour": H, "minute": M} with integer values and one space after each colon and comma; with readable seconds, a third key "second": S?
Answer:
{"hour": 12, "minute": 39}
